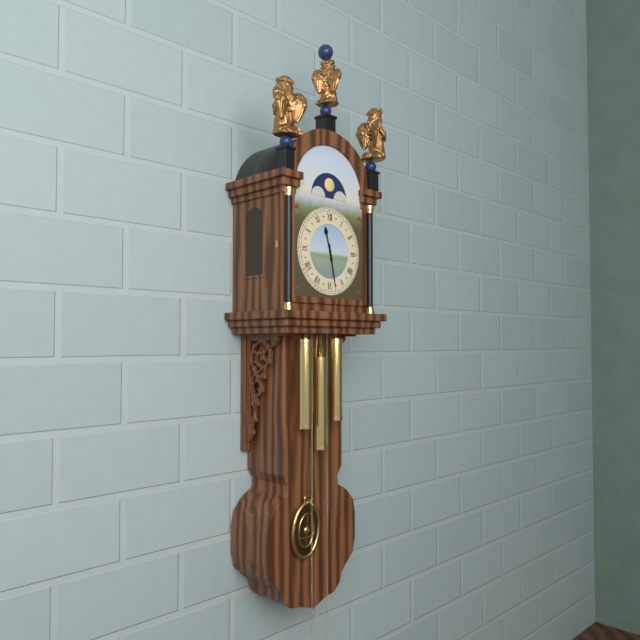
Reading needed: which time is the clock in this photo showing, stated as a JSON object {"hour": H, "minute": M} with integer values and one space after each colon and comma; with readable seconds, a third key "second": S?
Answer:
{"hour": 11, "minute": 28}
